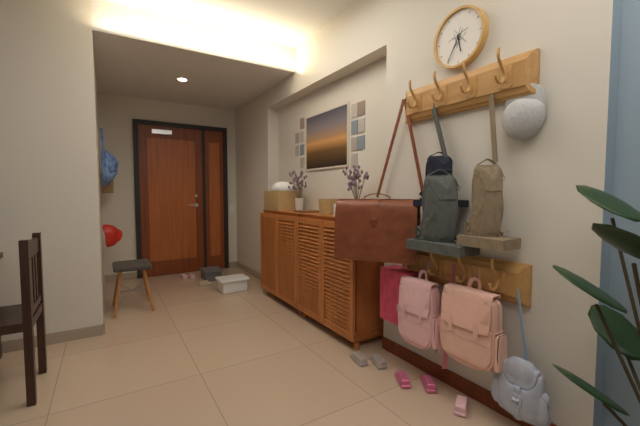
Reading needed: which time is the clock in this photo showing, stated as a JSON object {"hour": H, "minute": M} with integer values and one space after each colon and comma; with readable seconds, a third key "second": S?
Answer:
{"hour": 5, "minute": 35}
